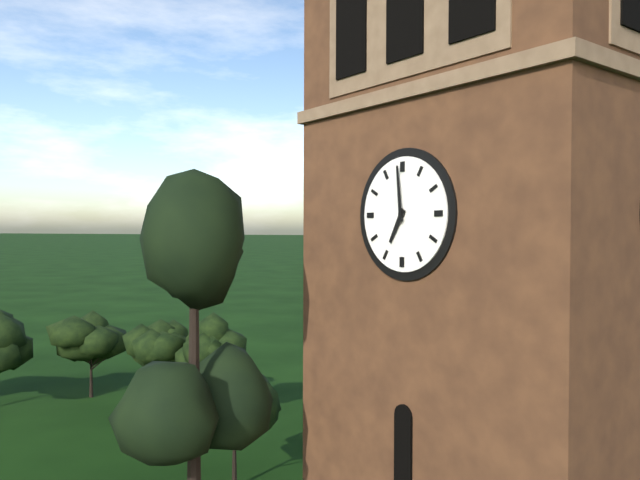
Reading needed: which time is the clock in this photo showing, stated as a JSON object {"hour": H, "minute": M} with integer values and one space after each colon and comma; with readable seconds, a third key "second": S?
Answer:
{"hour": 6, "minute": 59}
